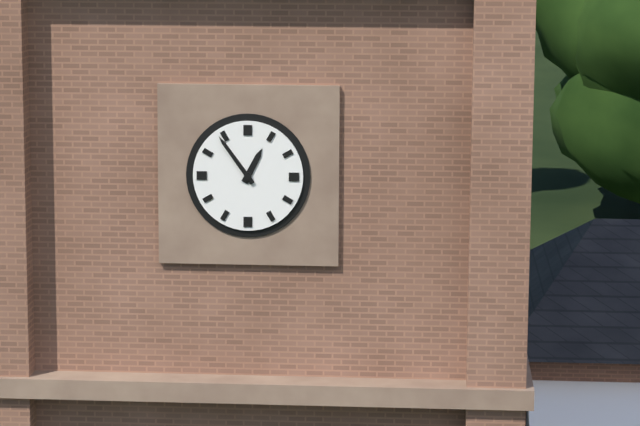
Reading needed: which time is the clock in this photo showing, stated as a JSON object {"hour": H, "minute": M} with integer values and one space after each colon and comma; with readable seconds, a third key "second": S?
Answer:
{"hour": 12, "minute": 54}
